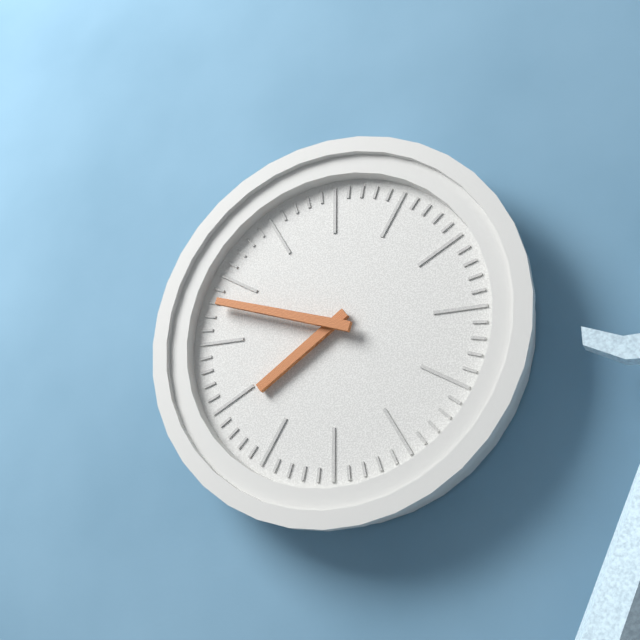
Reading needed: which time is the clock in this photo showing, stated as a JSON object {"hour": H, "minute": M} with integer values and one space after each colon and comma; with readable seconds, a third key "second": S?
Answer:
{"hour": 7, "minute": 48}
